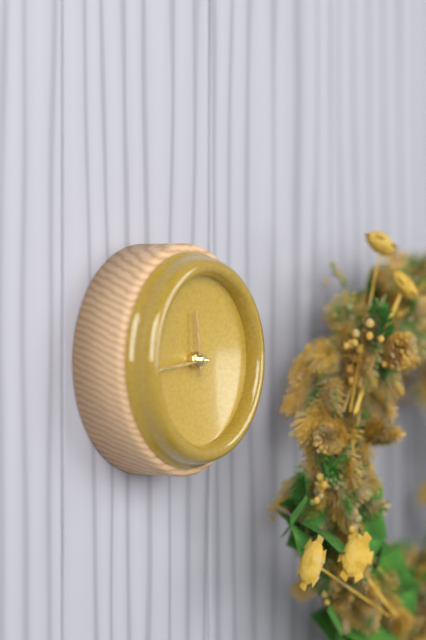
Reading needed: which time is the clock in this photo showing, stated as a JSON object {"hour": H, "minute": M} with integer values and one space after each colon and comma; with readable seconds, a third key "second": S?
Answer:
{"hour": 11, "minute": 44}
